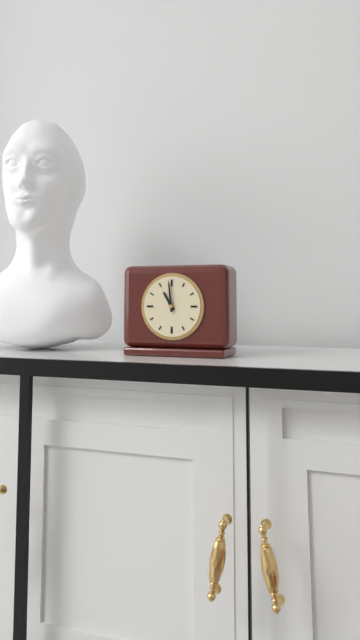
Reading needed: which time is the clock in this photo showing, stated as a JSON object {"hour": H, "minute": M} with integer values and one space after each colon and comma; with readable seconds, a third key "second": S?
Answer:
{"hour": 10, "minute": 59}
